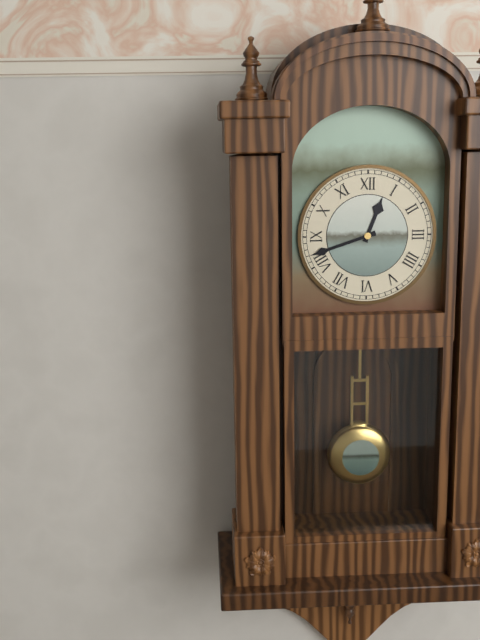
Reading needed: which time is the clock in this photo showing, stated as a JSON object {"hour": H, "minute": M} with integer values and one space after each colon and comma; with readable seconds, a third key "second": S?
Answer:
{"hour": 12, "minute": 42}
